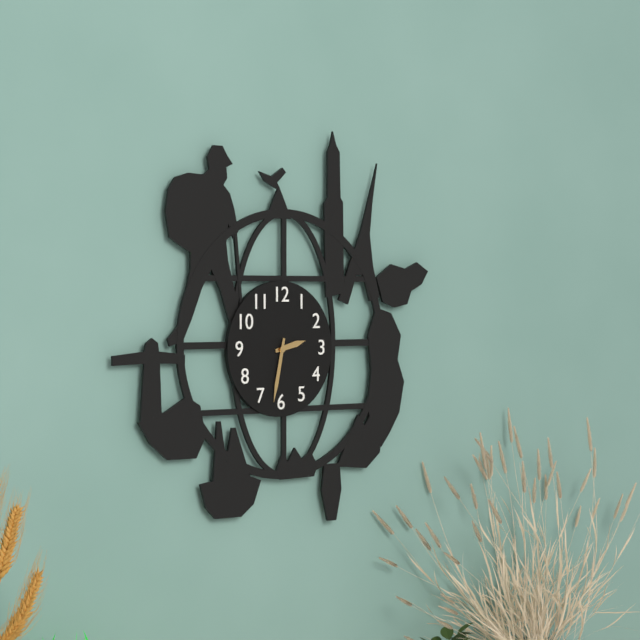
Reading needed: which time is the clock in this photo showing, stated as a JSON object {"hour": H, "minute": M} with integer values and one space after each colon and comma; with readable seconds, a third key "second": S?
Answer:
{"hour": 2, "minute": 32}
